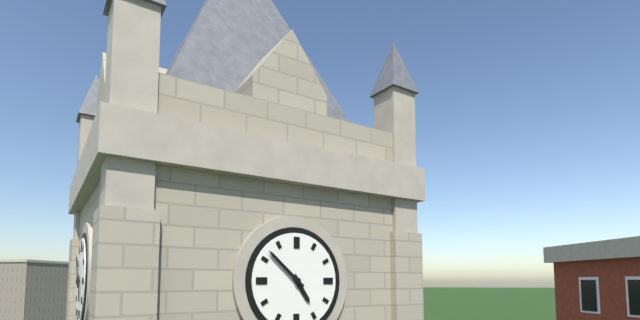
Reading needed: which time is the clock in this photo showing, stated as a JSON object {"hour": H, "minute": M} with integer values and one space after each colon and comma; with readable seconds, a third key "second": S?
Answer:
{"hour": 4, "minute": 52}
